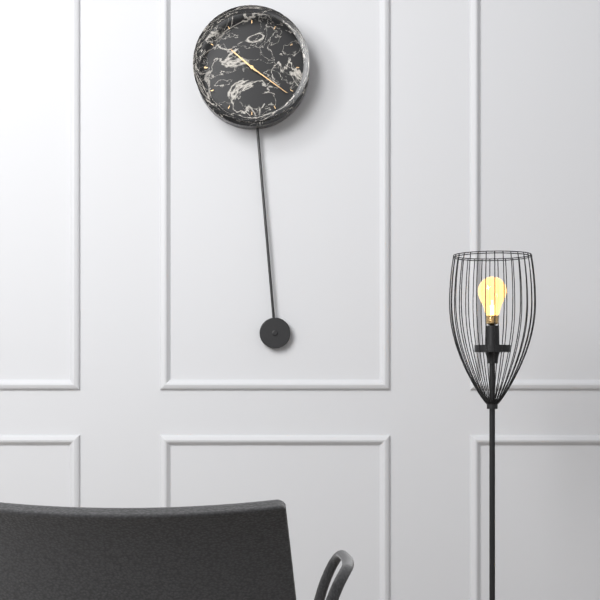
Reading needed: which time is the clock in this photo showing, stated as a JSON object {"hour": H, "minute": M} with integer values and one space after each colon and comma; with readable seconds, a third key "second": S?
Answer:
{"hour": 10, "minute": 21}
